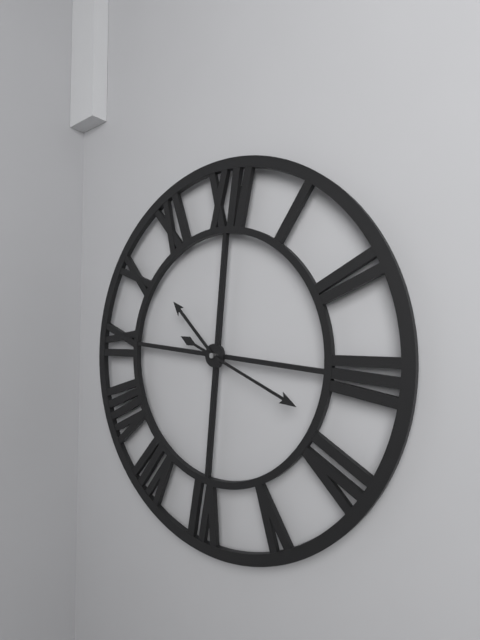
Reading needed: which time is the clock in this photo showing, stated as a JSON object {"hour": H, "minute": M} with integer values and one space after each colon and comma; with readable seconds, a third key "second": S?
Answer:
{"hour": 10, "minute": 18}
